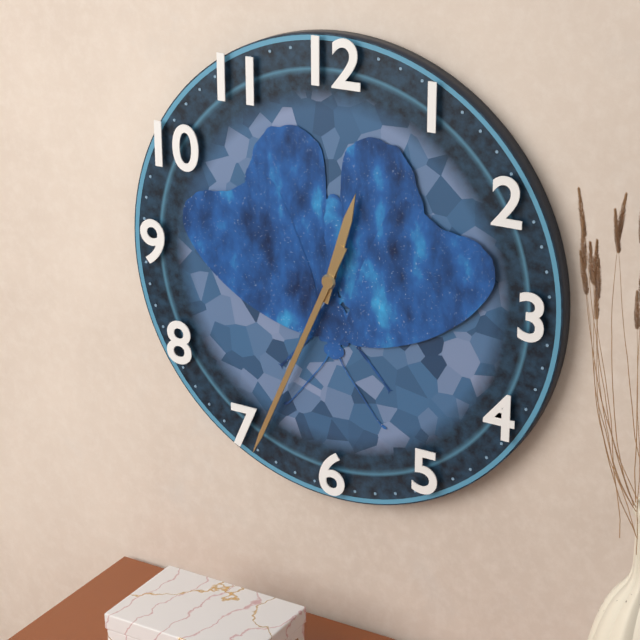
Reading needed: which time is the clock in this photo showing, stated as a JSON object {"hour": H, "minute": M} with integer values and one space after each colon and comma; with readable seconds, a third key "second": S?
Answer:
{"hour": 12, "minute": 34}
